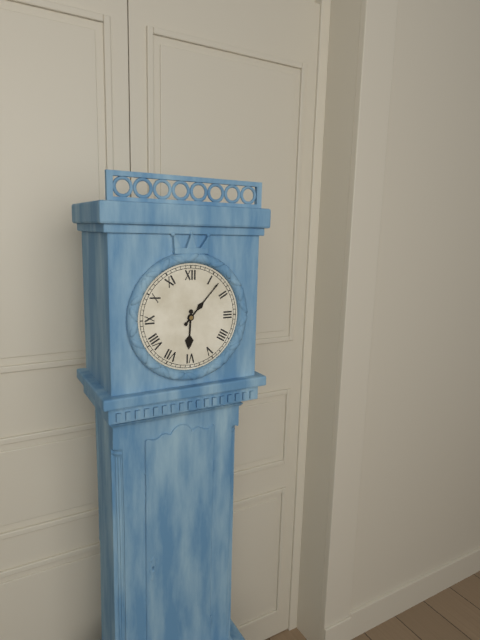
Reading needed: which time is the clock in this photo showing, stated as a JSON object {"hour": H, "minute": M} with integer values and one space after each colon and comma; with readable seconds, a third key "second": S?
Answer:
{"hour": 6, "minute": 7}
